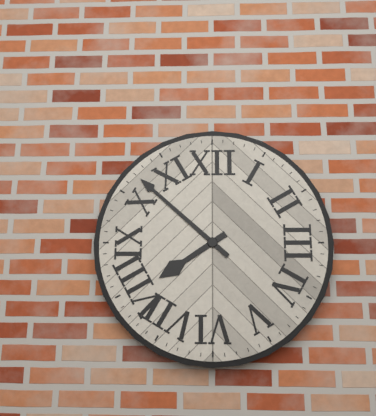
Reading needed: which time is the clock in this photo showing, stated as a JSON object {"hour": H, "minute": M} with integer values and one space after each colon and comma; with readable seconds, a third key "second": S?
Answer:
{"hour": 7, "minute": 52}
